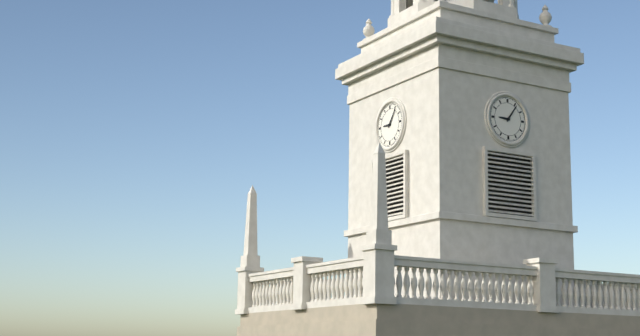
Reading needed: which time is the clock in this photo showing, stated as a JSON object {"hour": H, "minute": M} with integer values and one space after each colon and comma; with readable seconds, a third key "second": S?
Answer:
{"hour": 9, "minute": 6}
